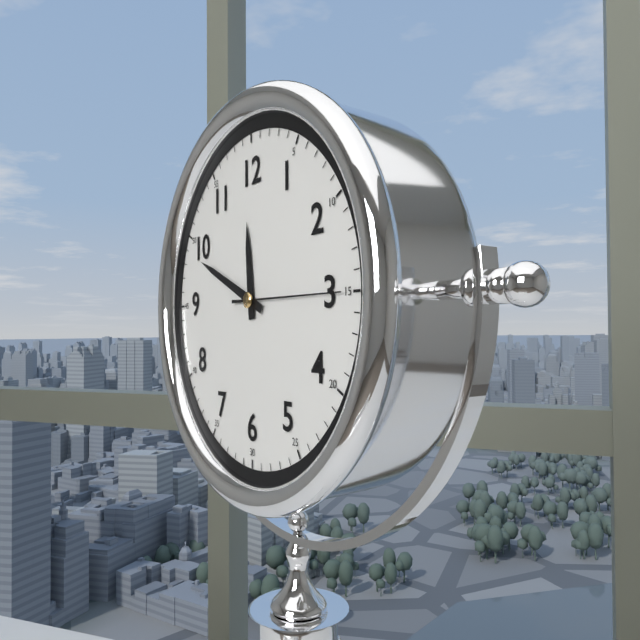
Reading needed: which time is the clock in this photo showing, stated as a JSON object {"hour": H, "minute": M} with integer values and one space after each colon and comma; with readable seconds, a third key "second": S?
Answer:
{"hour": 11, "minute": 49, "second": 15}
